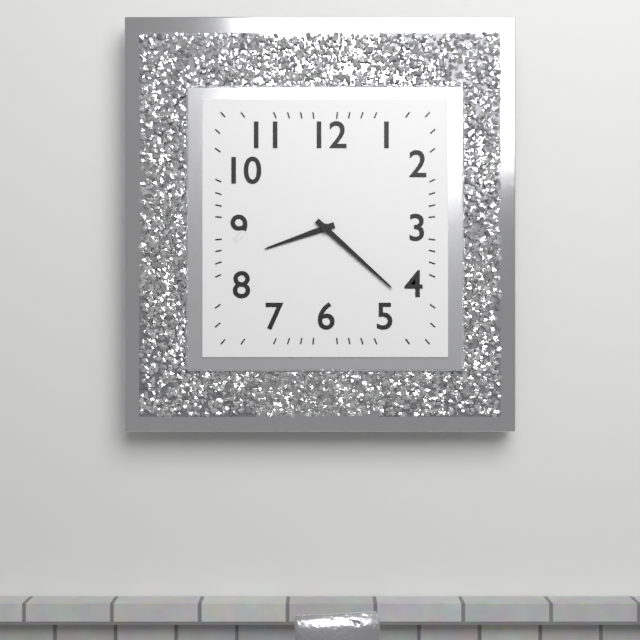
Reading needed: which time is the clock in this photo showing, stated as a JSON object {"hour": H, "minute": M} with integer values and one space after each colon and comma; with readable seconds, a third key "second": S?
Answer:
{"hour": 8, "minute": 22}
